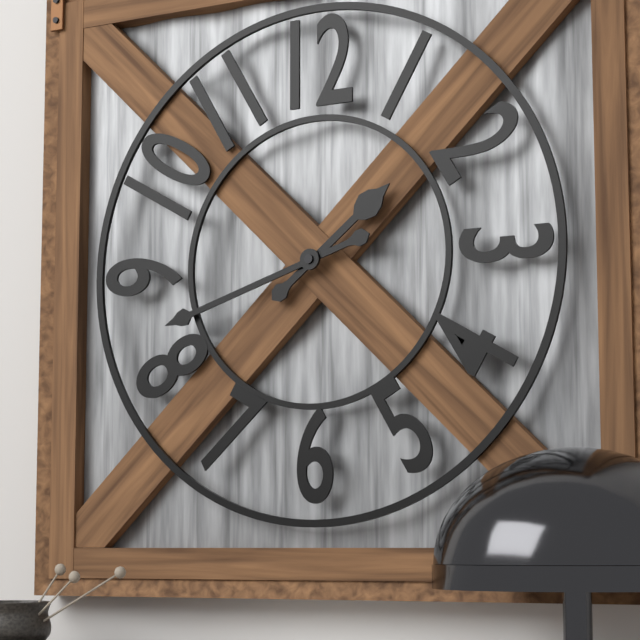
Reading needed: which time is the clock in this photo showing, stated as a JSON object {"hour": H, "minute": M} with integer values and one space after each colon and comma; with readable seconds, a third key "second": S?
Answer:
{"hour": 1, "minute": 42}
